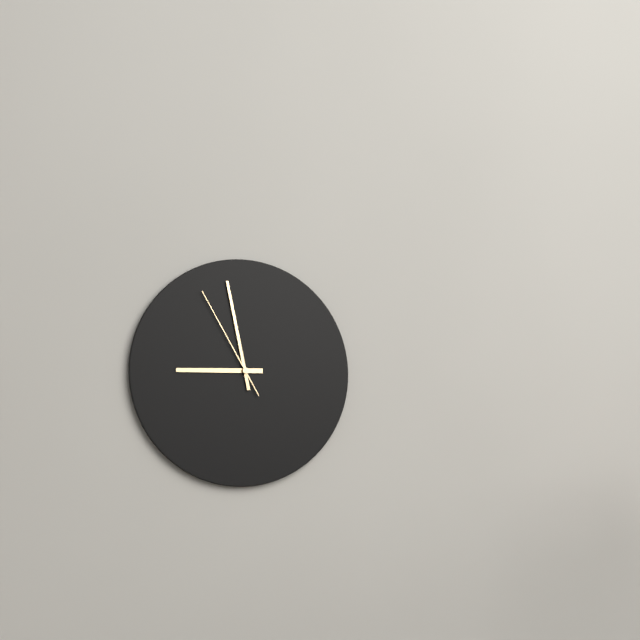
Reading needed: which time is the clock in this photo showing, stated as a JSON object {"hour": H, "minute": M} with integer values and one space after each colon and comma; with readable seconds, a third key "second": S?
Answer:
{"hour": 8, "minute": 58, "second": 55}
